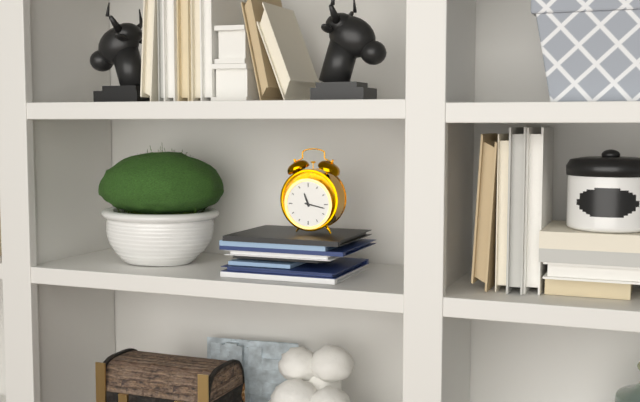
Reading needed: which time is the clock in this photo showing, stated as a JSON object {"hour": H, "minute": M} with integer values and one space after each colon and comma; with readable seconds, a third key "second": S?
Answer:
{"hour": 11, "minute": 17}
